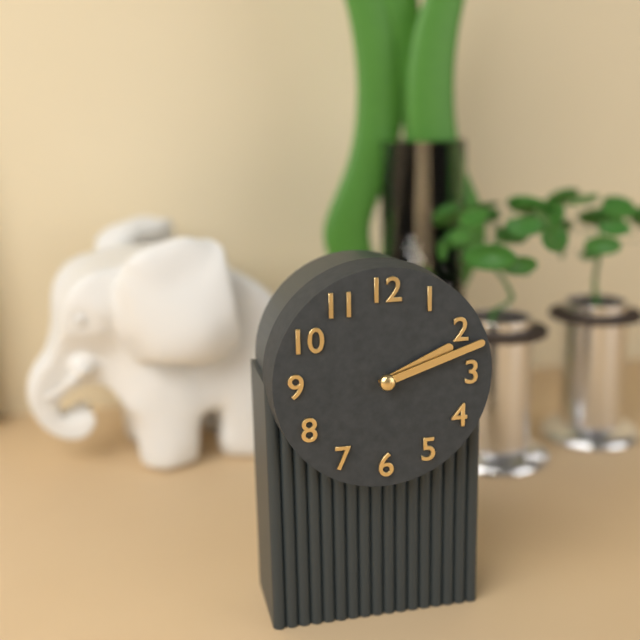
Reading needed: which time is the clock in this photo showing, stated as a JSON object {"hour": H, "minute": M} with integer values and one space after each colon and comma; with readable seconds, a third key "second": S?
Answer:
{"hour": 2, "minute": 12}
